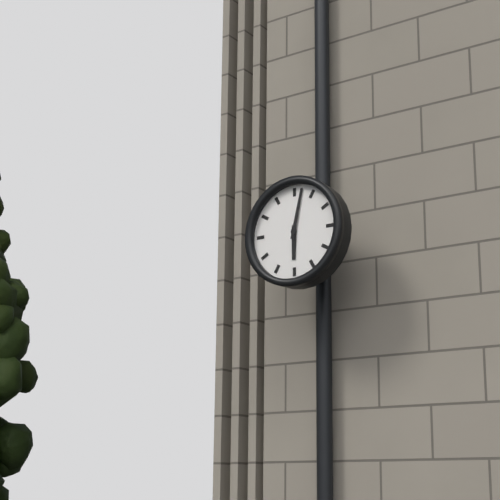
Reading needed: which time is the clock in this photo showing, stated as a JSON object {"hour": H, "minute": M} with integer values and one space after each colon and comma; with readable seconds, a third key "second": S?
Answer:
{"hour": 6, "minute": 2}
